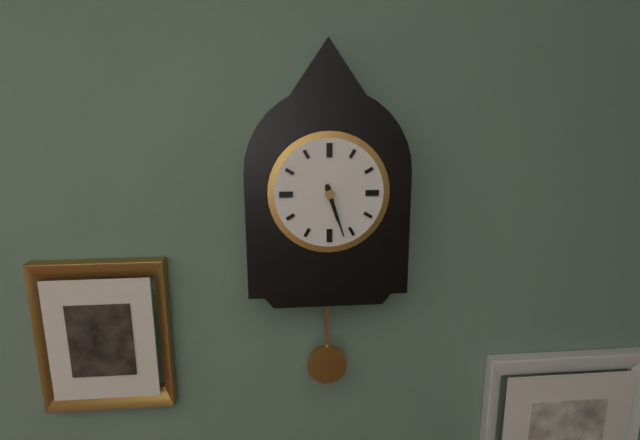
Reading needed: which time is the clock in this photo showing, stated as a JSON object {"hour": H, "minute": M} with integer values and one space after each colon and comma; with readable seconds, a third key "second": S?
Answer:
{"hour": 5, "minute": 27}
